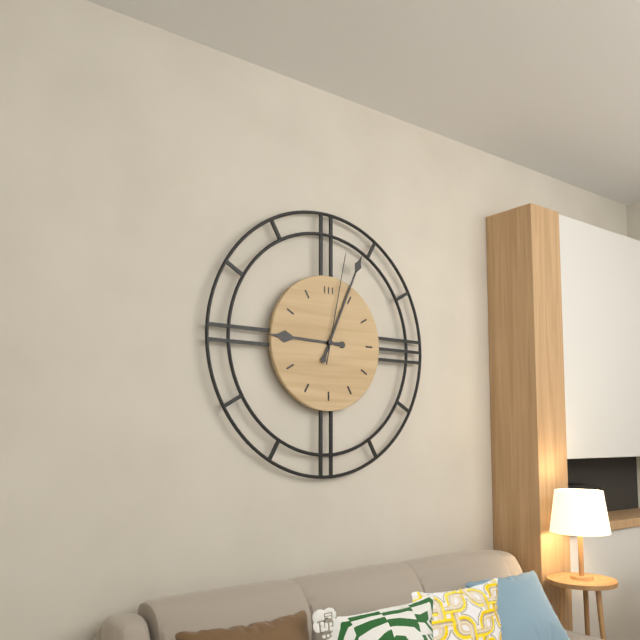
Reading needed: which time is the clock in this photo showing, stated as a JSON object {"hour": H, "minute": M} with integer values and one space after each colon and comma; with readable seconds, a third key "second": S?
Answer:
{"hour": 9, "minute": 4, "second": 2}
